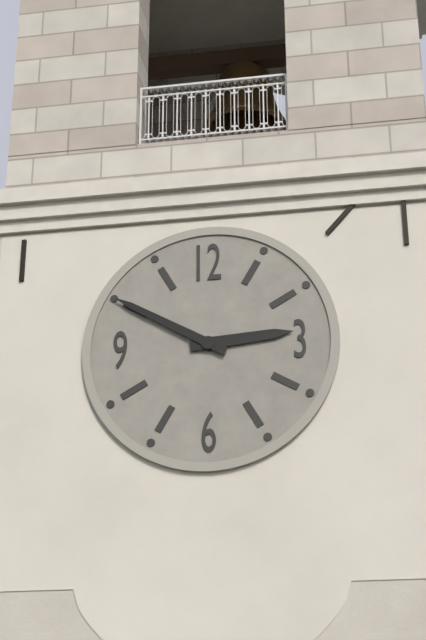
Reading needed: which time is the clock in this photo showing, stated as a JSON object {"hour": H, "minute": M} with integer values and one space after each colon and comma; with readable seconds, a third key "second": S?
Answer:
{"hour": 2, "minute": 50}
